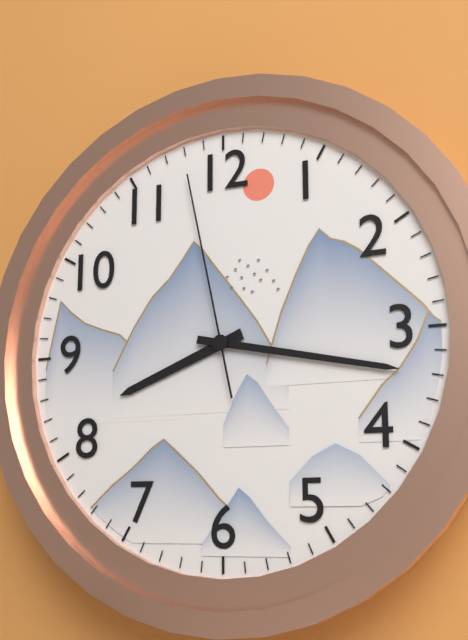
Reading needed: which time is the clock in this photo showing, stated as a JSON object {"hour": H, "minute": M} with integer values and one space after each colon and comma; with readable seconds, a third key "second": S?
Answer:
{"hour": 8, "minute": 17, "second": 58}
